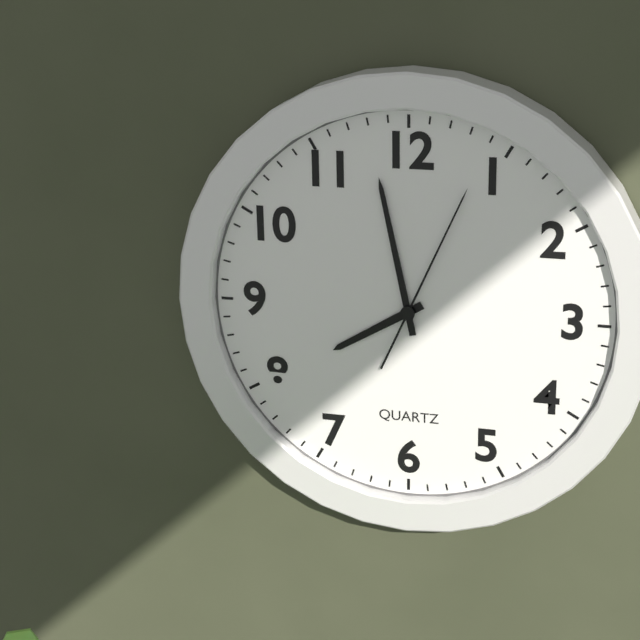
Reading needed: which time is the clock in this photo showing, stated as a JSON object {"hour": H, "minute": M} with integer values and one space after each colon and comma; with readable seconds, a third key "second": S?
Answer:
{"hour": 7, "minute": 58, "second": 4}
